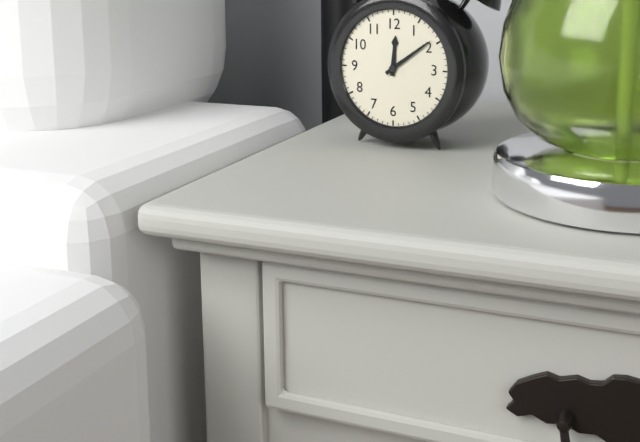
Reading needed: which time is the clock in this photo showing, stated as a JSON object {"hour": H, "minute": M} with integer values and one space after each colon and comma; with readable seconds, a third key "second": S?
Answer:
{"hour": 12, "minute": 9}
